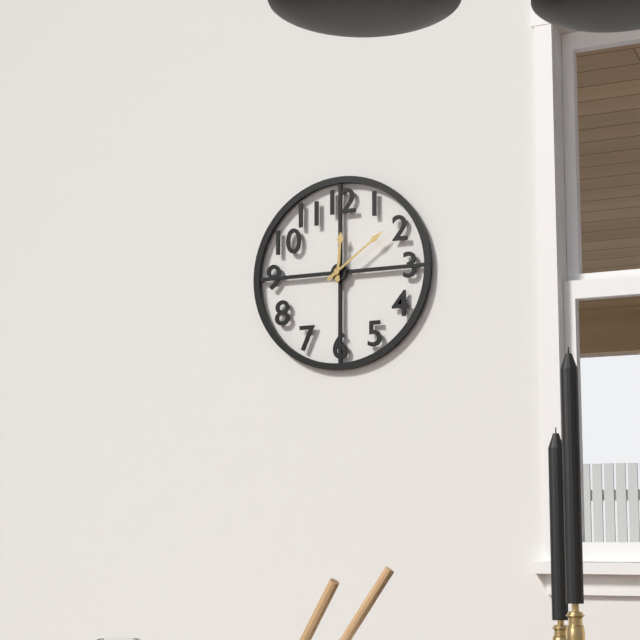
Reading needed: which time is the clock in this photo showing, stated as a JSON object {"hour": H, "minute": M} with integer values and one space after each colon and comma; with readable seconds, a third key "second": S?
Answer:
{"hour": 12, "minute": 9}
